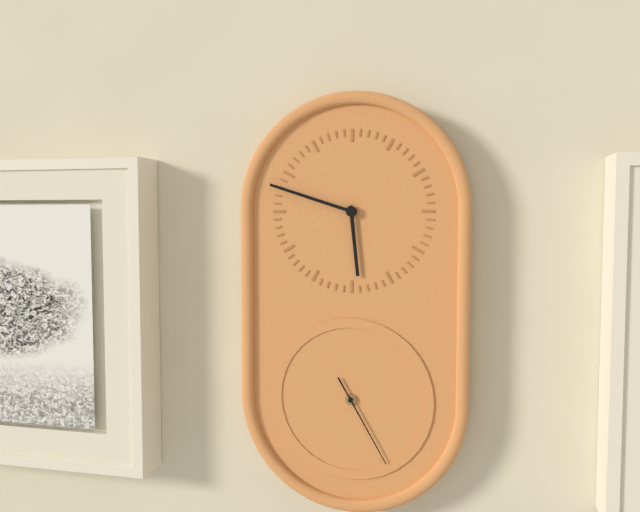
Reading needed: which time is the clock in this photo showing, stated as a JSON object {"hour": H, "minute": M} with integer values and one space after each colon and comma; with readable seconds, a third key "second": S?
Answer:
{"hour": 5, "minute": 48, "second": 25}
